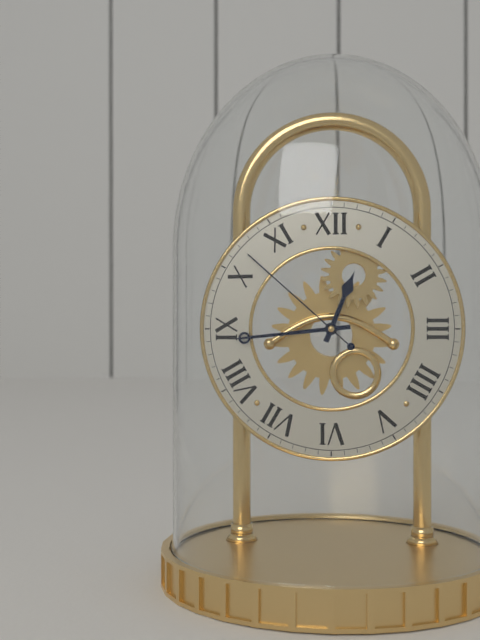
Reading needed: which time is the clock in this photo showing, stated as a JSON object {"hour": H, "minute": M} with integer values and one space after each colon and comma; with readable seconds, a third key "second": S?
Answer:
{"hour": 12, "minute": 44, "second": 52}
